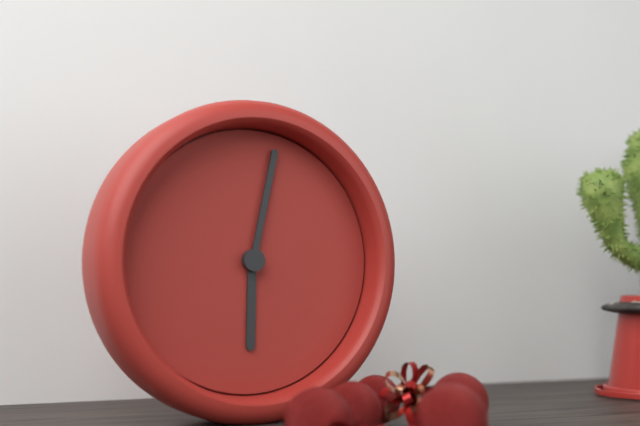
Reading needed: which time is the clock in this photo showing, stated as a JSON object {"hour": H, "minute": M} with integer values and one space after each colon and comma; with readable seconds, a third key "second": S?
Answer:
{"hour": 6, "minute": 2}
